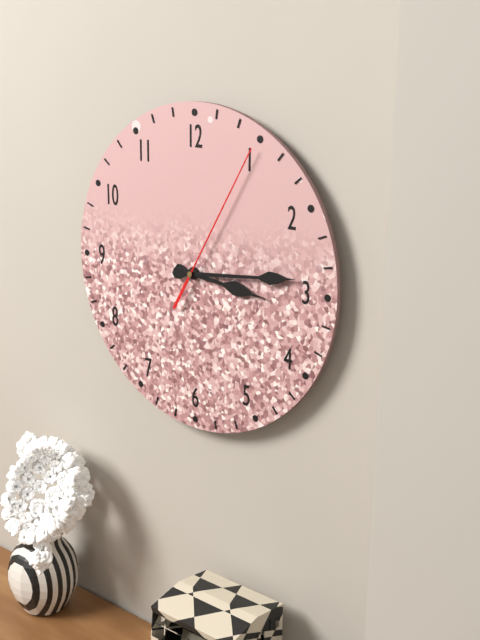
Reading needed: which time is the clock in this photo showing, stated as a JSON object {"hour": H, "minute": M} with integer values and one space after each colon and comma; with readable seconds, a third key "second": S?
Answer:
{"hour": 3, "minute": 14, "second": 5}
